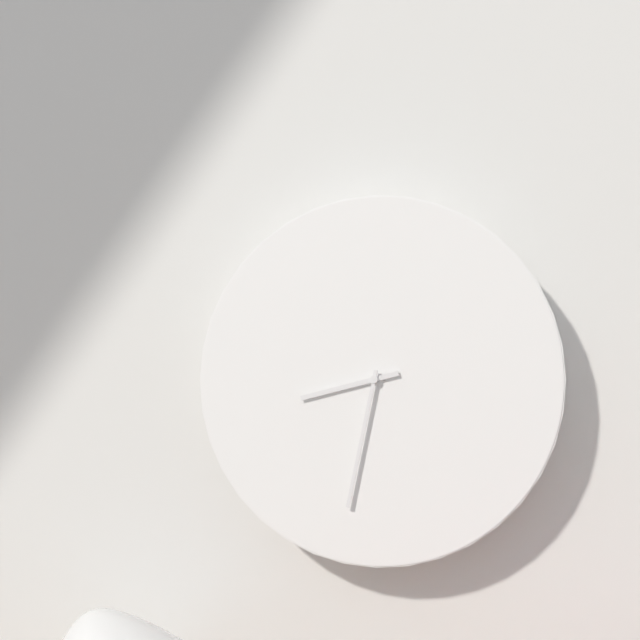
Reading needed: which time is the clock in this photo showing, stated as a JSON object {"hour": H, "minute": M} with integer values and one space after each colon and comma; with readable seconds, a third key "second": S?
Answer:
{"hour": 8, "minute": 32}
